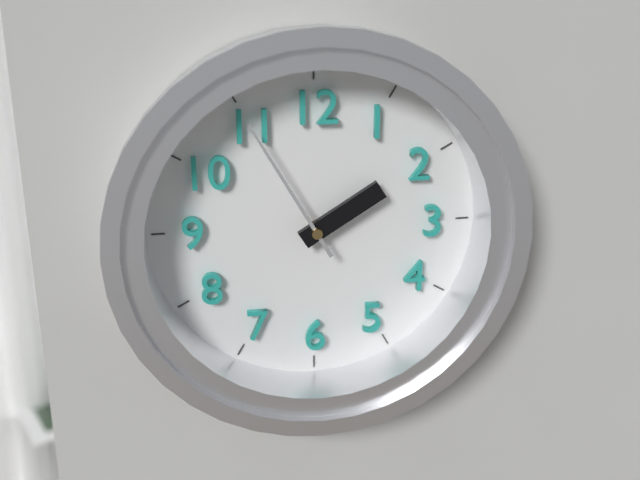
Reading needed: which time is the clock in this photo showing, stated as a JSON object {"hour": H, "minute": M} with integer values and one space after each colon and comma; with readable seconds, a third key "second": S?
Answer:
{"hour": 1, "minute": 55}
